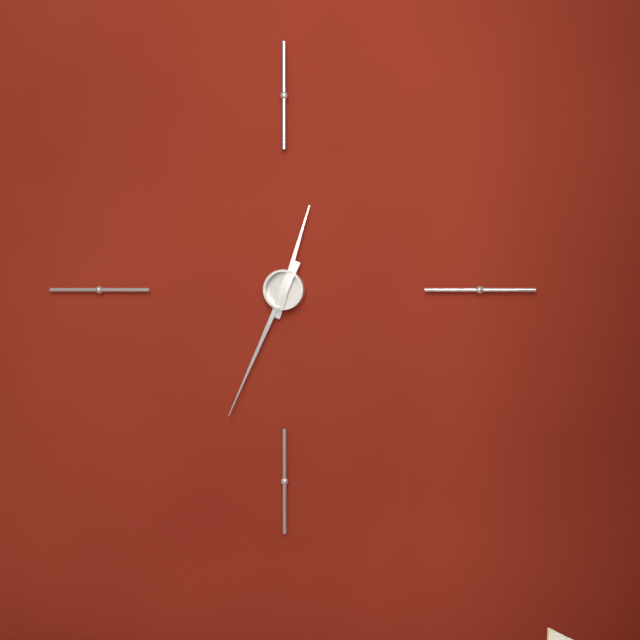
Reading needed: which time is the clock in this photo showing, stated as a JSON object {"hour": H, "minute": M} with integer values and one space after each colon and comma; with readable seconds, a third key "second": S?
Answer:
{"hour": 12, "minute": 34}
